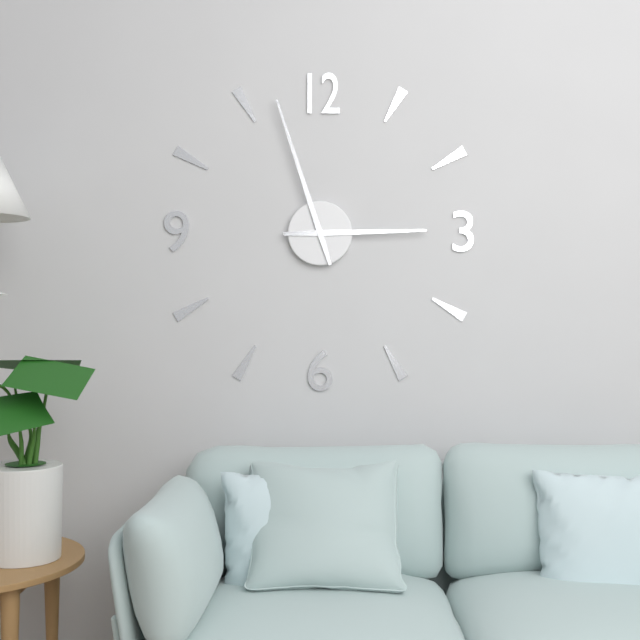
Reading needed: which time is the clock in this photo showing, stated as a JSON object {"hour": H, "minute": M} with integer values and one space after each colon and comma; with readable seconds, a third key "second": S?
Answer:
{"hour": 2, "minute": 57}
